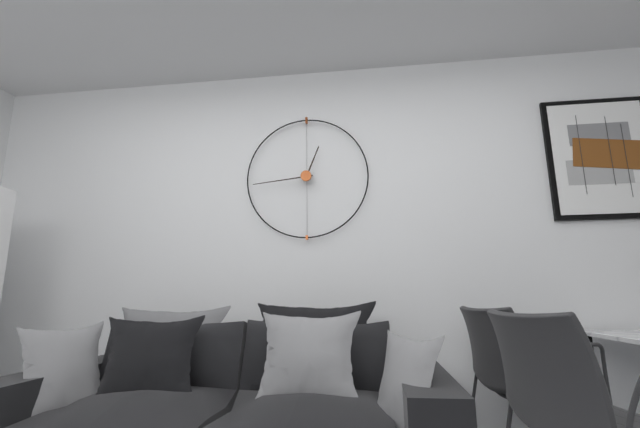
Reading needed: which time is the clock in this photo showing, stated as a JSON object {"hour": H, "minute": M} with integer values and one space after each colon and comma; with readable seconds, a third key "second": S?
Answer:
{"hour": 12, "minute": 44}
